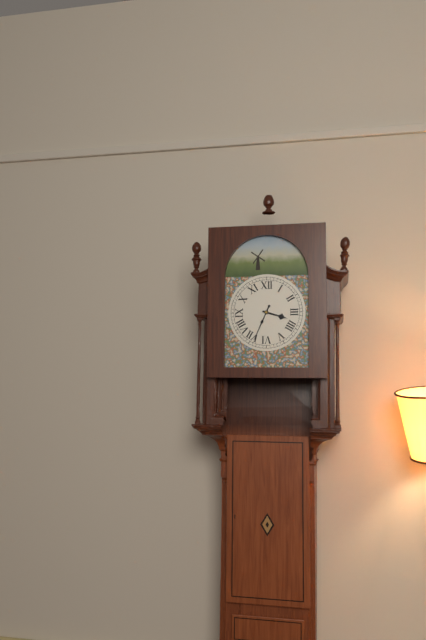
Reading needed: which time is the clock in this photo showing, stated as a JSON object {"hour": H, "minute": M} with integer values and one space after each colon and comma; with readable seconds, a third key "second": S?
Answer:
{"hour": 3, "minute": 34}
